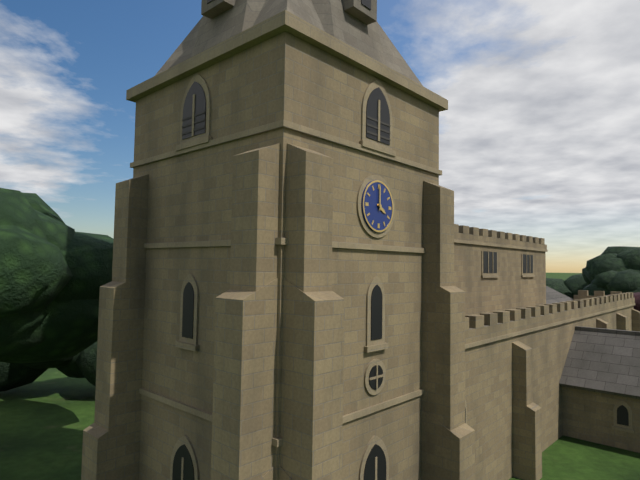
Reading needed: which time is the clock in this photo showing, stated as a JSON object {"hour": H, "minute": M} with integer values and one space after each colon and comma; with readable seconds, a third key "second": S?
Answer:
{"hour": 4, "minute": 0}
